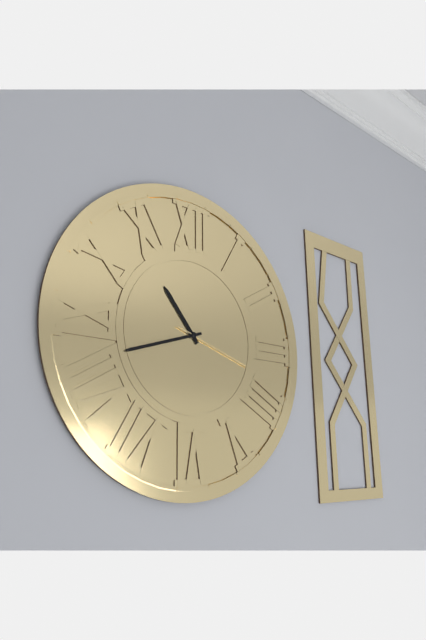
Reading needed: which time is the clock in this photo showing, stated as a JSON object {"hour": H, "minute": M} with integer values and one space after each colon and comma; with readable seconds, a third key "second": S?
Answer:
{"hour": 10, "minute": 42, "second": 18}
